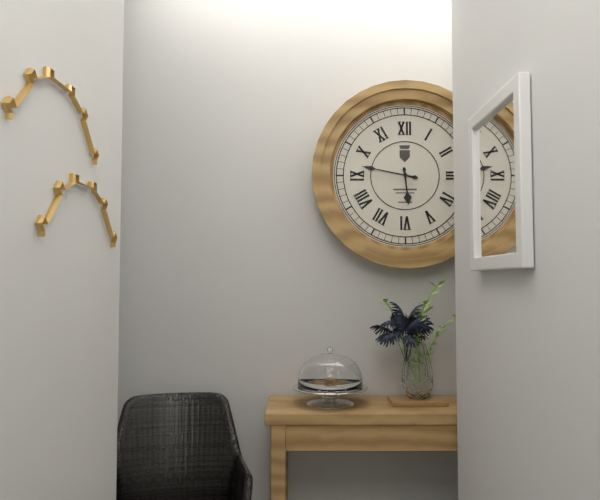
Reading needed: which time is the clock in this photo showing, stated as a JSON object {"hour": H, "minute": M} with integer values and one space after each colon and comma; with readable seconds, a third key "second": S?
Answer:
{"hour": 5, "minute": 47}
